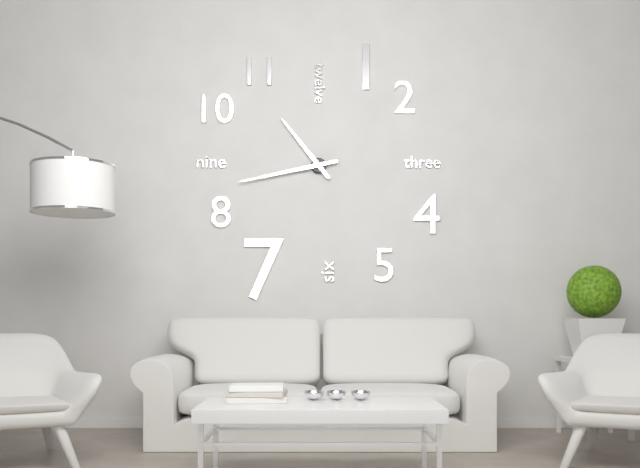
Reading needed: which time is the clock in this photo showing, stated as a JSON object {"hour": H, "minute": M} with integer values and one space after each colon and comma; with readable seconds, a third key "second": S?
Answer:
{"hour": 10, "minute": 43}
